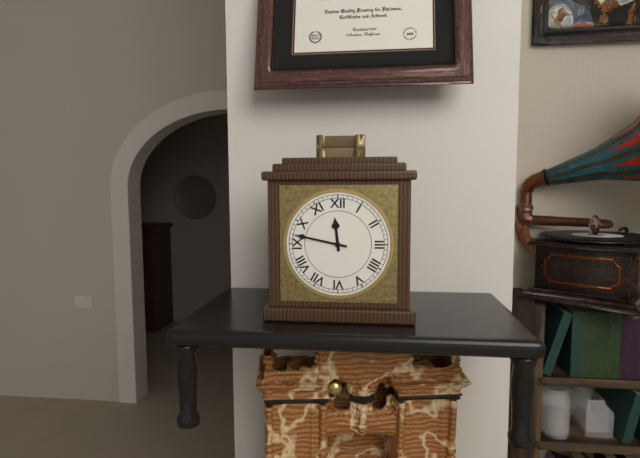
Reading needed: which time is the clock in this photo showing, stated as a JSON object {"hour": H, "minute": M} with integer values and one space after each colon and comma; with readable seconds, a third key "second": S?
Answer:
{"hour": 11, "minute": 47}
